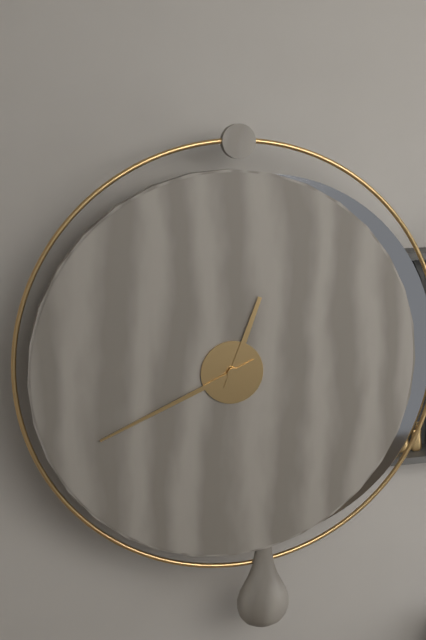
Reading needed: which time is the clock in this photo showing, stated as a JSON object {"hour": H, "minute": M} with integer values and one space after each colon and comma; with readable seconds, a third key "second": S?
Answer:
{"hour": 12, "minute": 41}
